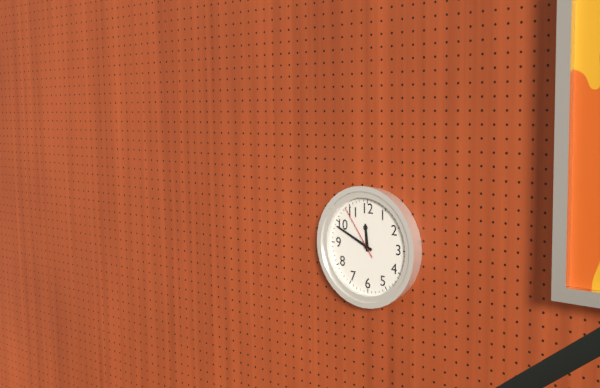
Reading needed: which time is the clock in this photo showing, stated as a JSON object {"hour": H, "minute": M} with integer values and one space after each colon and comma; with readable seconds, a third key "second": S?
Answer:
{"hour": 11, "minute": 49, "second": 54}
